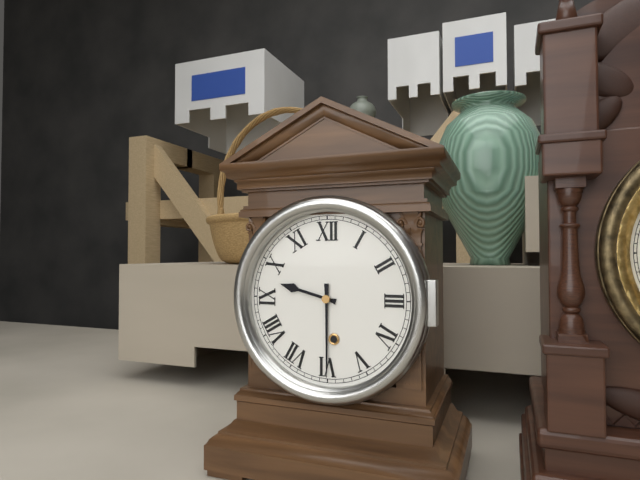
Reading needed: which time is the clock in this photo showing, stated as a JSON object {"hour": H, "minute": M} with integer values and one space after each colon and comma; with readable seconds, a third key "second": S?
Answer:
{"hour": 9, "minute": 30}
